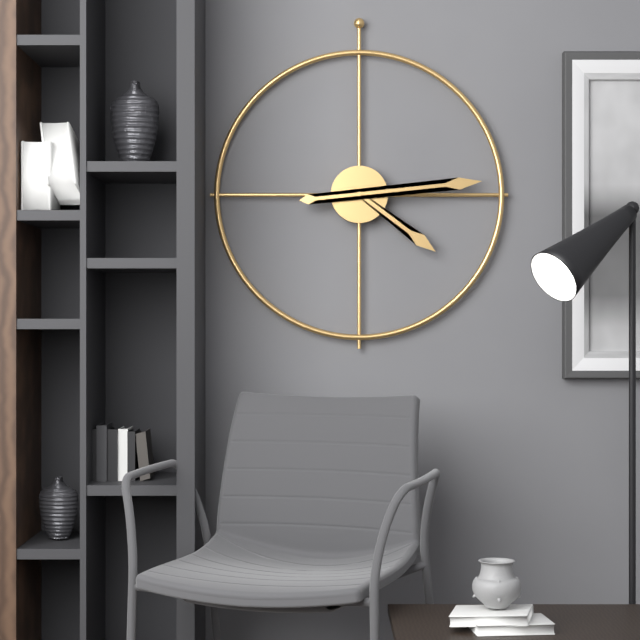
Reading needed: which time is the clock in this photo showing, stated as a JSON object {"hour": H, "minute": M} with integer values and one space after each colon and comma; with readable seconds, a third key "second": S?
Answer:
{"hour": 4, "minute": 14}
